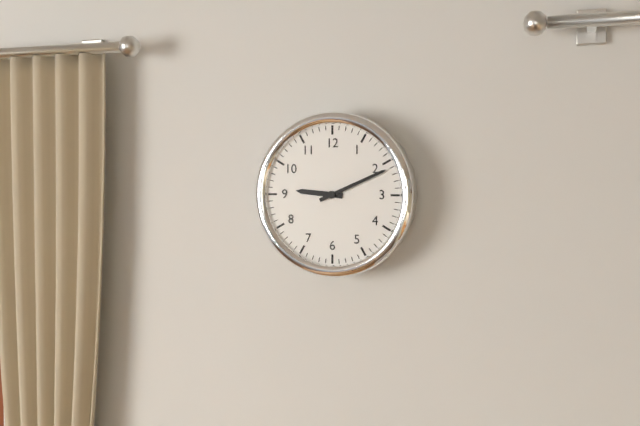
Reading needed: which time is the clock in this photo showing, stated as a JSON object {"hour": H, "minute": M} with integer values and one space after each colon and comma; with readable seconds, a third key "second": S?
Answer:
{"hour": 9, "minute": 11}
